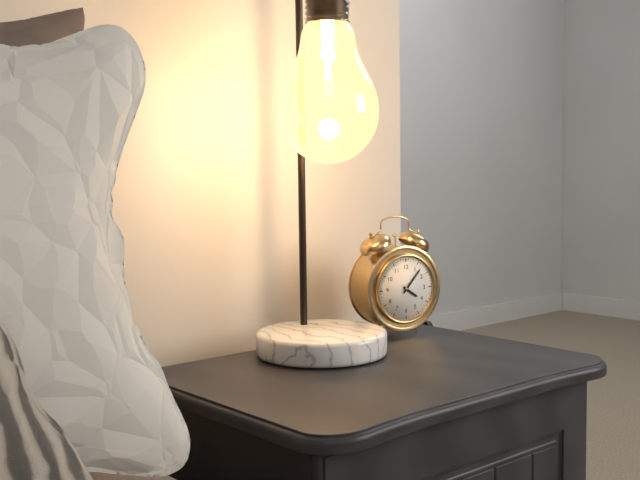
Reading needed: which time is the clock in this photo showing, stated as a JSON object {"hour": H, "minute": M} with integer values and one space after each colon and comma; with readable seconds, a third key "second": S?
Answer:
{"hour": 4, "minute": 7}
